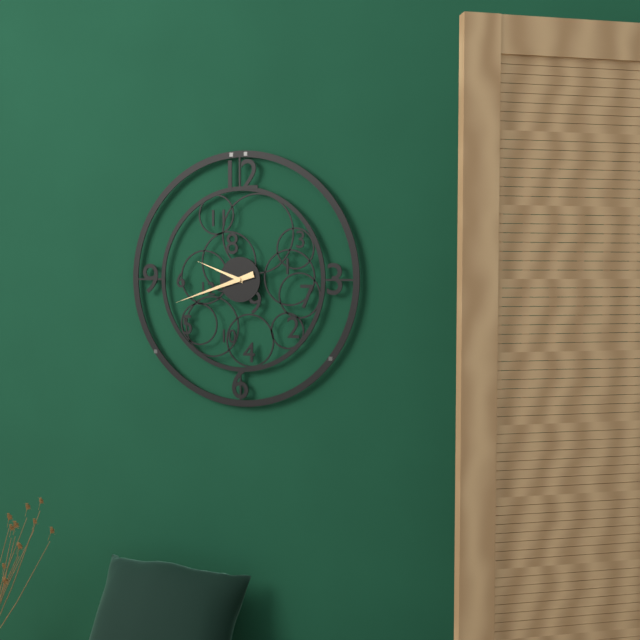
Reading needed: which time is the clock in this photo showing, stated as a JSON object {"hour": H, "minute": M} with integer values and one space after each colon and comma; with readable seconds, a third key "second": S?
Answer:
{"hour": 9, "minute": 42}
